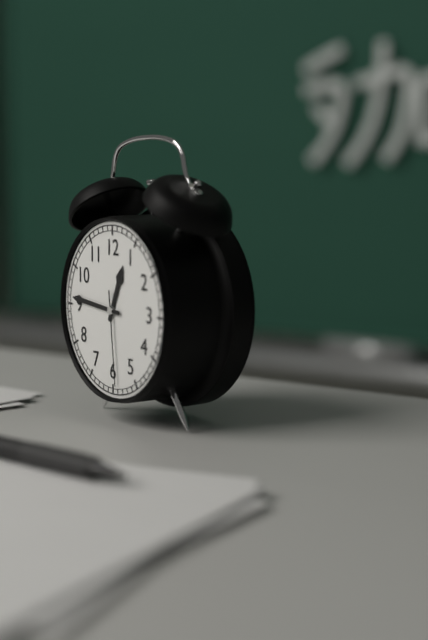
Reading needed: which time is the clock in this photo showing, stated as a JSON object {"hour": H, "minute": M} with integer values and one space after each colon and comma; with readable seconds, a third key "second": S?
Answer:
{"hour": 12, "minute": 46, "second": 29}
